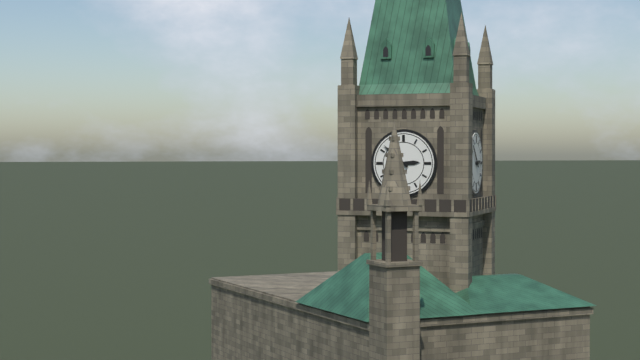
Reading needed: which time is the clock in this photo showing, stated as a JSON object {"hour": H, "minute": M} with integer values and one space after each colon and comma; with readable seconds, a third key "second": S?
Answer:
{"hour": 2, "minute": 52}
